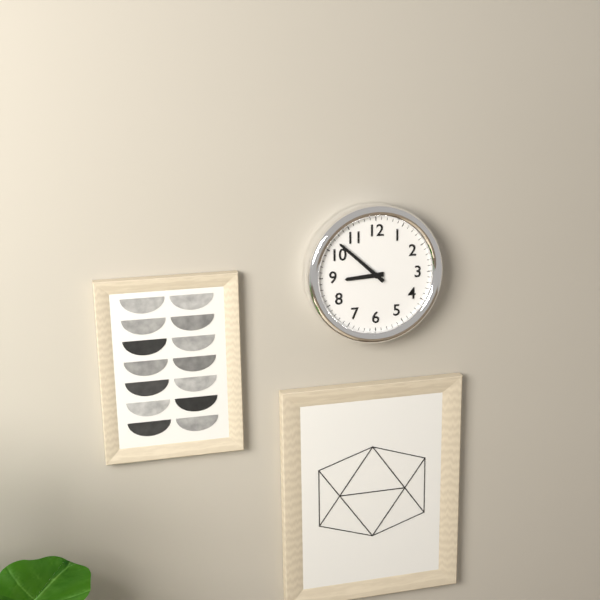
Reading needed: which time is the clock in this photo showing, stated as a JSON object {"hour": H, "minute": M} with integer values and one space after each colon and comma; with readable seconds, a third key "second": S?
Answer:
{"hour": 8, "minute": 52}
